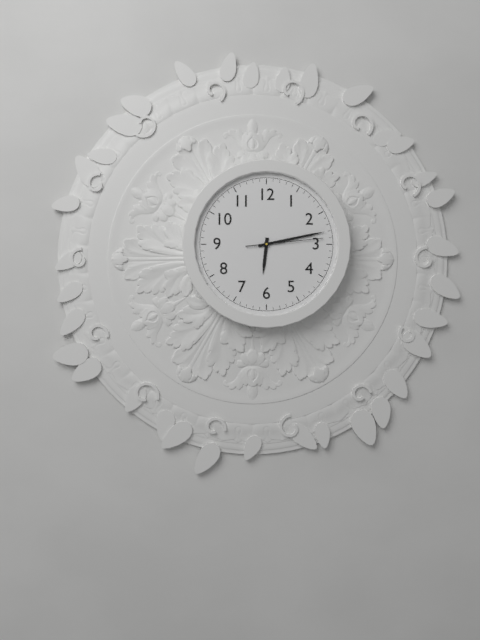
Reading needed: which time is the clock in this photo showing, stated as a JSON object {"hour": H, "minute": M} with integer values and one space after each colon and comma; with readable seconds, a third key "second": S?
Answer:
{"hour": 6, "minute": 13, "second": 14}
